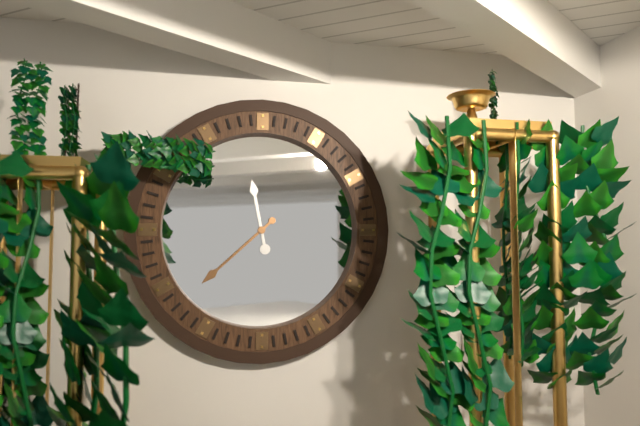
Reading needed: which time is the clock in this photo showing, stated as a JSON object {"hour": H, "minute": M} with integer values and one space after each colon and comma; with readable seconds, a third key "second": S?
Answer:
{"hour": 11, "minute": 38}
